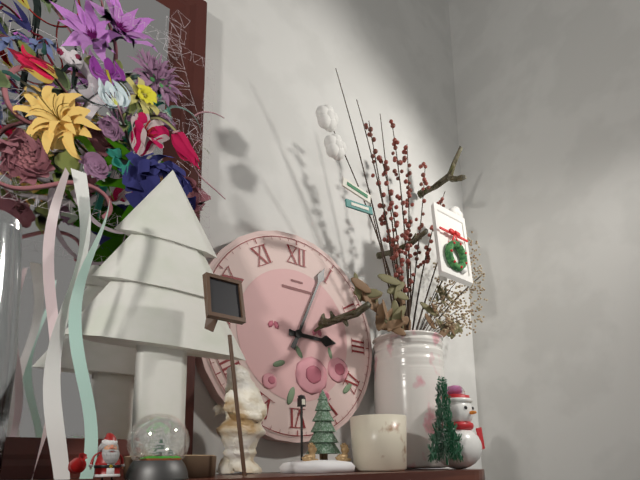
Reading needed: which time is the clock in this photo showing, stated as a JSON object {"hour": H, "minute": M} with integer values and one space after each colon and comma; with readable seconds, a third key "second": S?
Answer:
{"hour": 3, "minute": 4}
